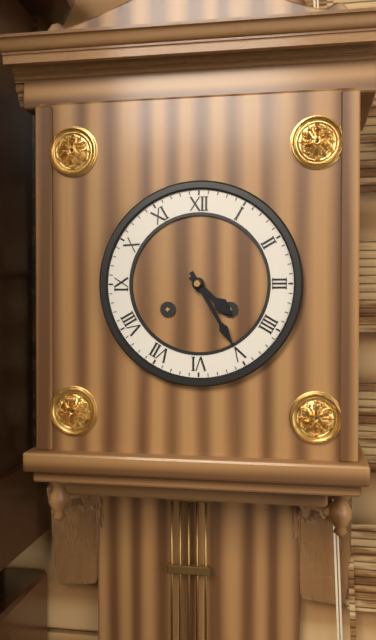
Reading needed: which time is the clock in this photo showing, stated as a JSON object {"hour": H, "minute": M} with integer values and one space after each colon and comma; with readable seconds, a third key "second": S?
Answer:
{"hour": 4, "minute": 25}
